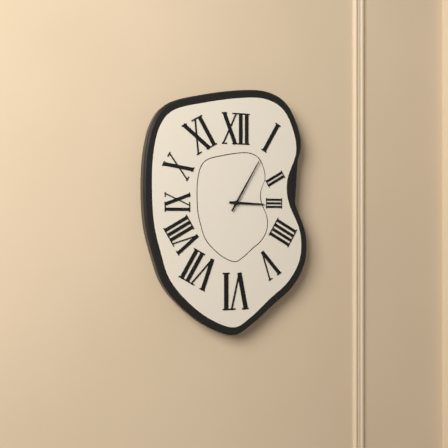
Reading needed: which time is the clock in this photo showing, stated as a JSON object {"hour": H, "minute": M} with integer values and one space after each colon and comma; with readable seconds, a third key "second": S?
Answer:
{"hour": 3, "minute": 5}
